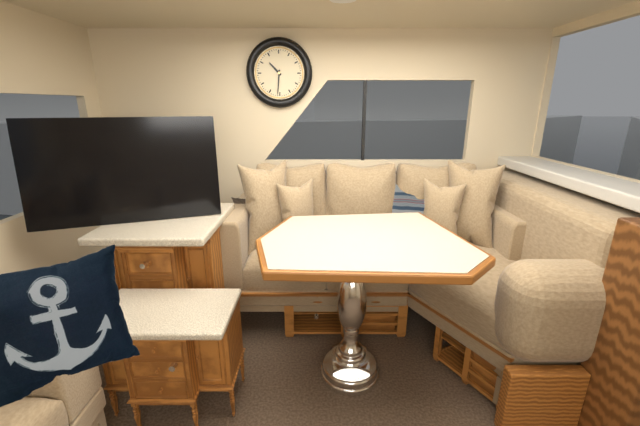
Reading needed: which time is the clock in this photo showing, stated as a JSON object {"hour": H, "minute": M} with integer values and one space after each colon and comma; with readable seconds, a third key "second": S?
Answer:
{"hour": 10, "minute": 31}
